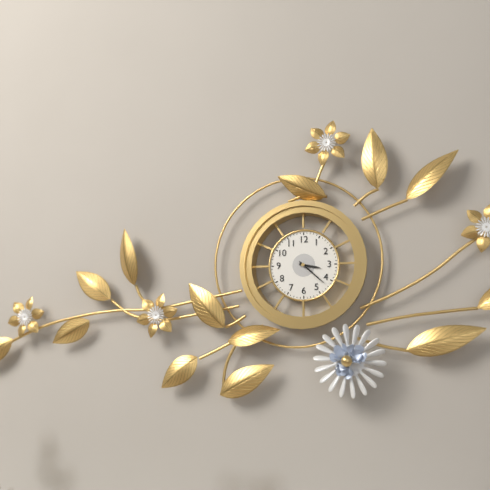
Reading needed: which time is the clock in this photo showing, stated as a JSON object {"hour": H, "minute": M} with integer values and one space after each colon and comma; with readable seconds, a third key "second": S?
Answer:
{"hour": 3, "minute": 22}
